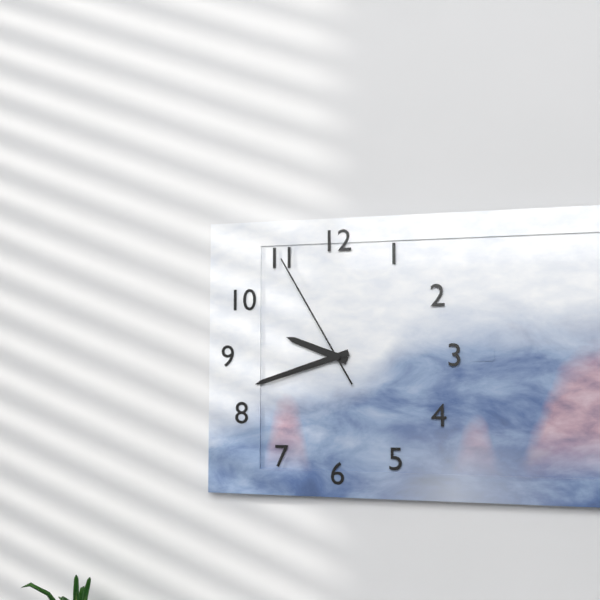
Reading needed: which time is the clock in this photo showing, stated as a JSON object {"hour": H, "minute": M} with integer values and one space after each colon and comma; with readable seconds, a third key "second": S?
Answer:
{"hour": 9, "minute": 42, "second": 55}
